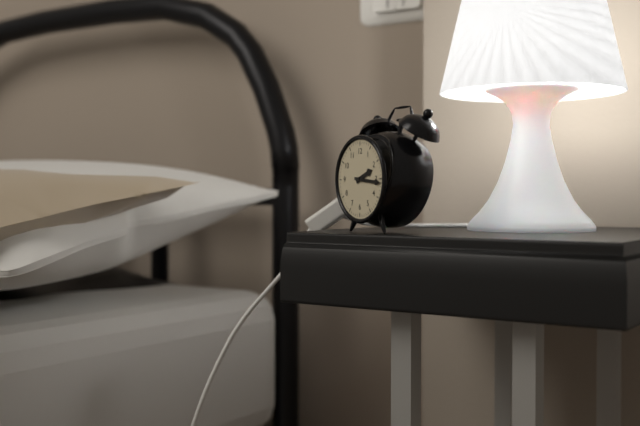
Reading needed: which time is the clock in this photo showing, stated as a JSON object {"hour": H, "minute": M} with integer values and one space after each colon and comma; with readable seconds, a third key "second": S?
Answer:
{"hour": 2, "minute": 16}
